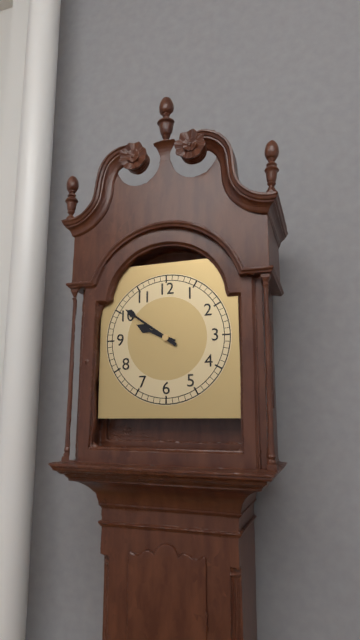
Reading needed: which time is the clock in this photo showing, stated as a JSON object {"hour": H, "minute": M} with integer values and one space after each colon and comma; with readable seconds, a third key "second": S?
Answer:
{"hour": 9, "minute": 51}
